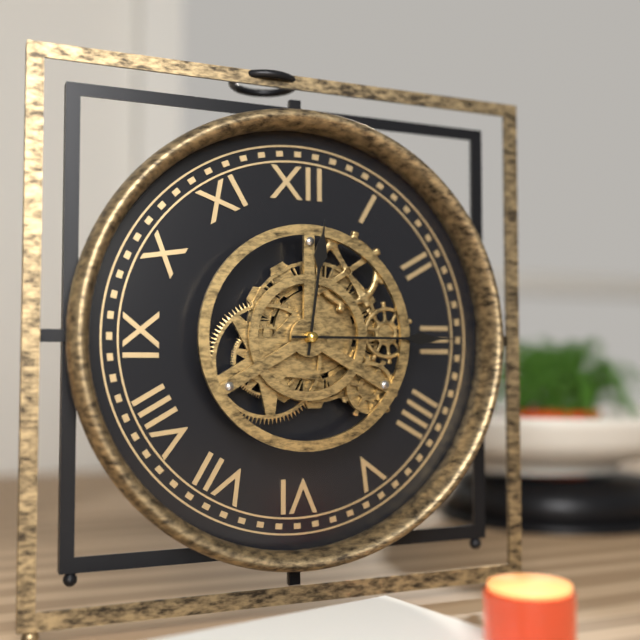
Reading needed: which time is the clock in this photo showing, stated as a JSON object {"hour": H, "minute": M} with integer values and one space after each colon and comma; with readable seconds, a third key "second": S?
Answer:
{"hour": 12, "minute": 15}
